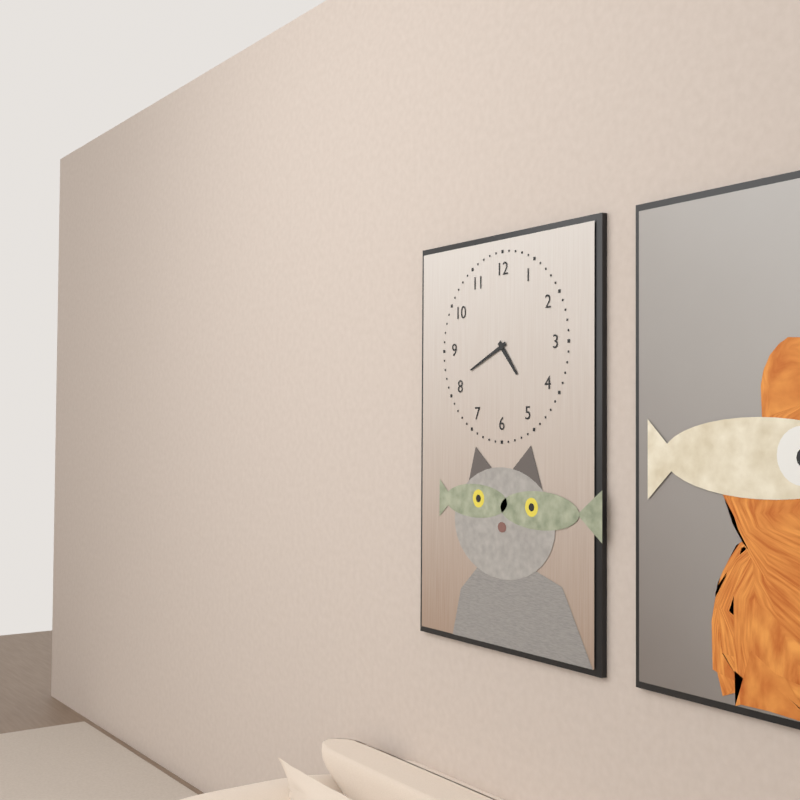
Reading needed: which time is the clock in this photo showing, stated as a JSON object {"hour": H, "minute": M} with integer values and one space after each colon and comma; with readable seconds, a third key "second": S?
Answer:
{"hour": 4, "minute": 41}
